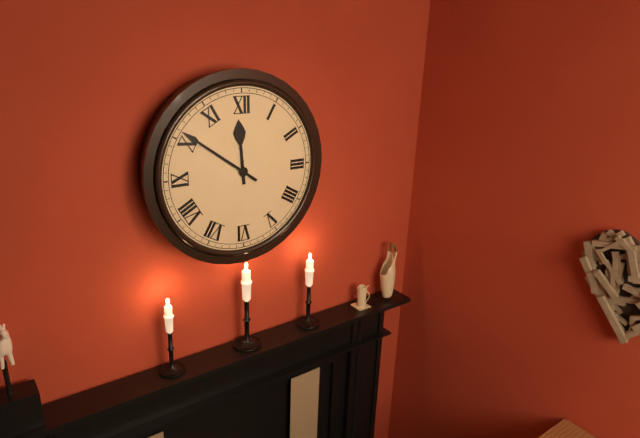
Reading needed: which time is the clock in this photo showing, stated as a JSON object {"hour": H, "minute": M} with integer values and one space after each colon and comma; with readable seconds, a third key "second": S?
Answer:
{"hour": 11, "minute": 51}
